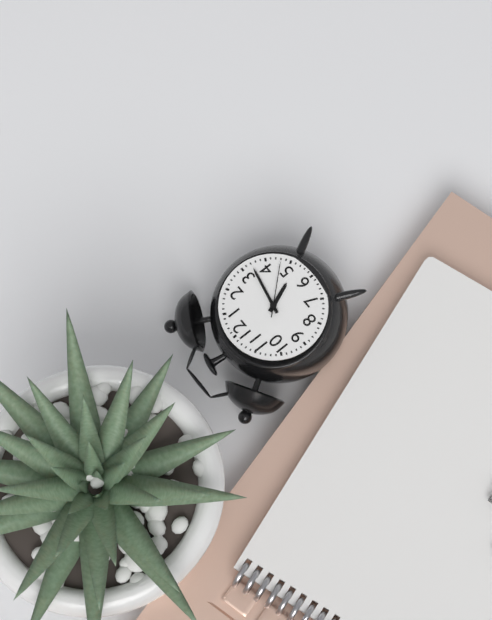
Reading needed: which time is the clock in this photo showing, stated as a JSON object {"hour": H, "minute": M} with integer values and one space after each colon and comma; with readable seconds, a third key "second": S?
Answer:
{"hour": 5, "minute": 17, "second": 23}
